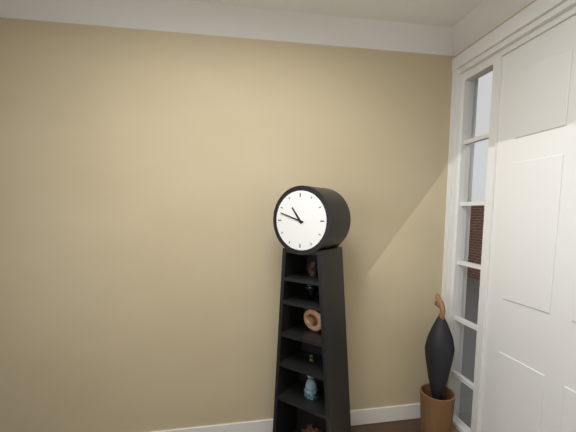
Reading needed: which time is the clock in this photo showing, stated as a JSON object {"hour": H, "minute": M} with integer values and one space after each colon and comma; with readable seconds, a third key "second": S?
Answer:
{"hour": 10, "minute": 48}
